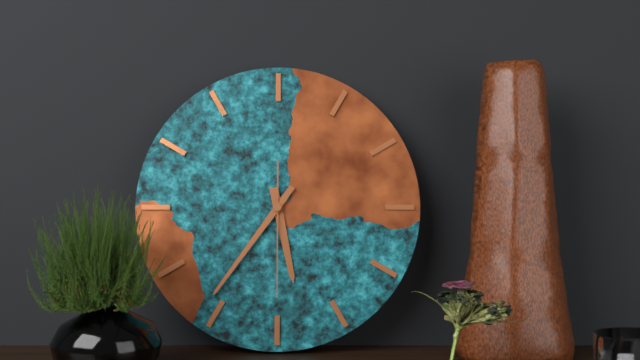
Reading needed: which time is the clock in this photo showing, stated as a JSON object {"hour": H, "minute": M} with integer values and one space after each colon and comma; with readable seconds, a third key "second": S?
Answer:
{"hour": 5, "minute": 36, "second": 30}
